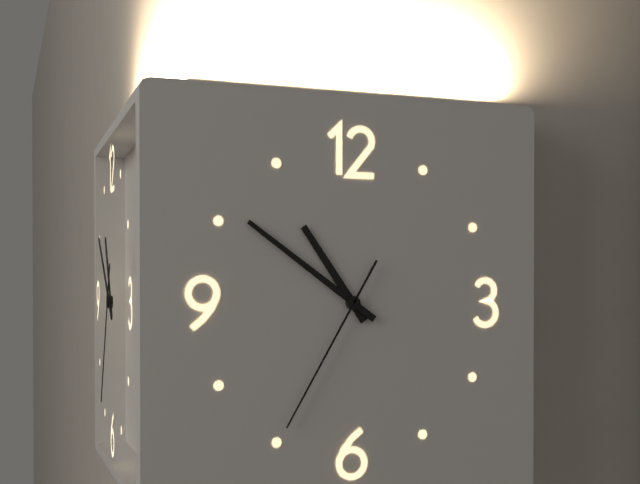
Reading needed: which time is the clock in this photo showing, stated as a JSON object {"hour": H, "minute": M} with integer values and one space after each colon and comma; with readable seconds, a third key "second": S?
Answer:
{"hour": 10, "minute": 51, "second": 35}
